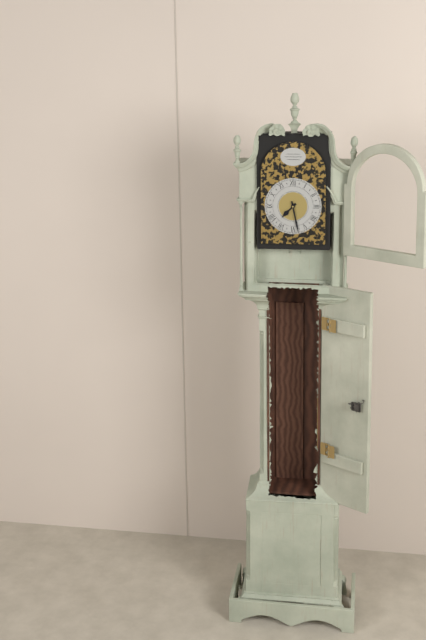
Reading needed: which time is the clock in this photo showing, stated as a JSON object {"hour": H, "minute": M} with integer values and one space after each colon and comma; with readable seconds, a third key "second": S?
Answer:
{"hour": 7, "minute": 28}
